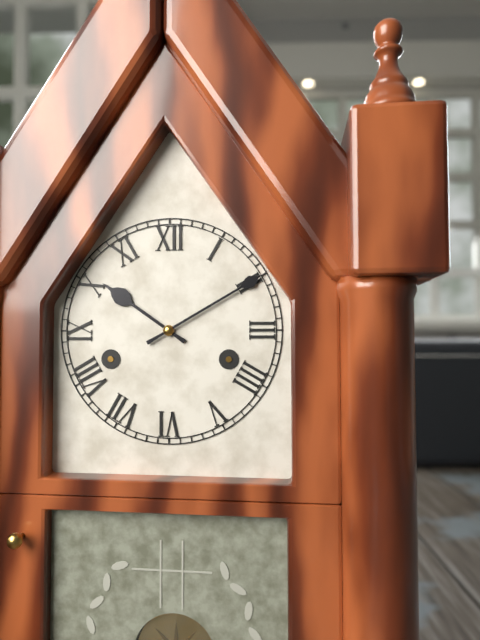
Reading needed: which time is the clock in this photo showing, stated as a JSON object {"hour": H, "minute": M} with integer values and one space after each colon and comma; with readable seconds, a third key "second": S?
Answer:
{"hour": 10, "minute": 10}
